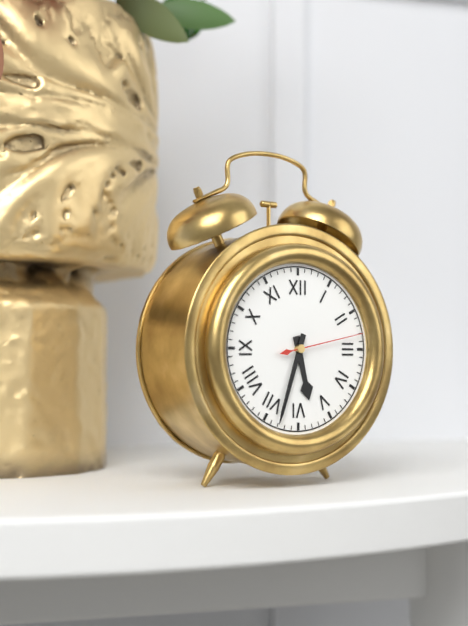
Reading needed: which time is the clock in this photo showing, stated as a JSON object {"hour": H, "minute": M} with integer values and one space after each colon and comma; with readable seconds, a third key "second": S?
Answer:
{"hour": 5, "minute": 33, "second": 13}
